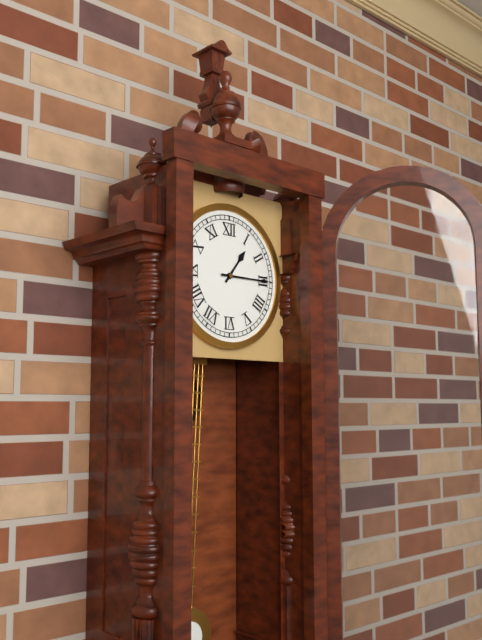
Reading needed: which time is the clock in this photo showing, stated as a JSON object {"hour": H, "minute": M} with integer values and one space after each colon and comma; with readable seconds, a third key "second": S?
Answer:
{"hour": 1, "minute": 15}
